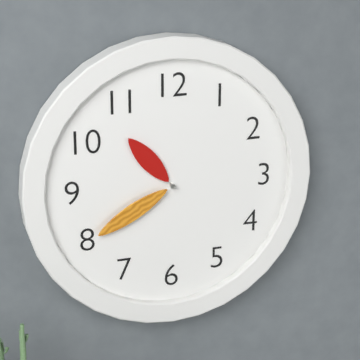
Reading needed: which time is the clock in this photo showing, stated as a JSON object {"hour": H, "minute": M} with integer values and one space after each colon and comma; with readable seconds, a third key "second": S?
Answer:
{"hour": 10, "minute": 40}
